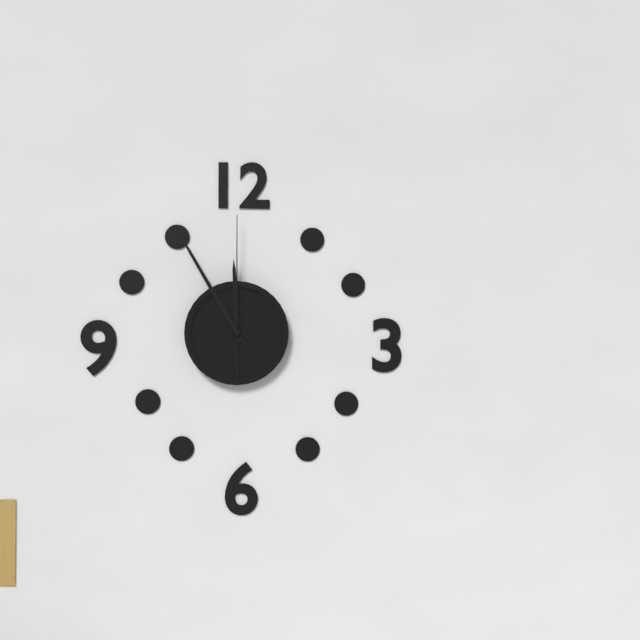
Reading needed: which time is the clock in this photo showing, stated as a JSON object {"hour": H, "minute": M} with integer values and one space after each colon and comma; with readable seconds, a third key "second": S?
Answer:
{"hour": 11, "minute": 55, "second": 0}
